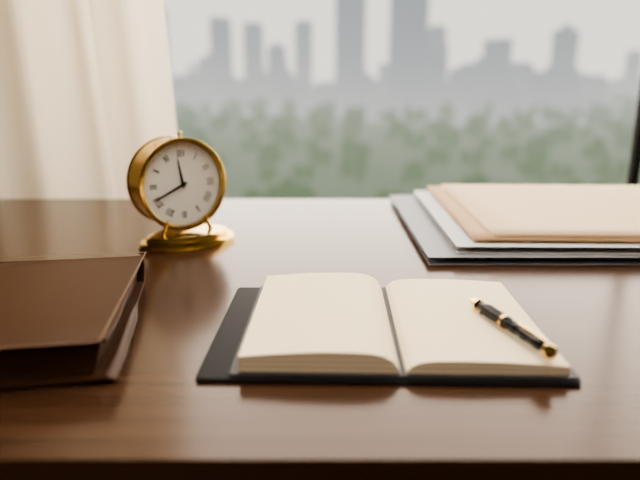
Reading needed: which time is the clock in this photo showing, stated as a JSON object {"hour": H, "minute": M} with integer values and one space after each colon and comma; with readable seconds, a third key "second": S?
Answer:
{"hour": 11, "minute": 41}
